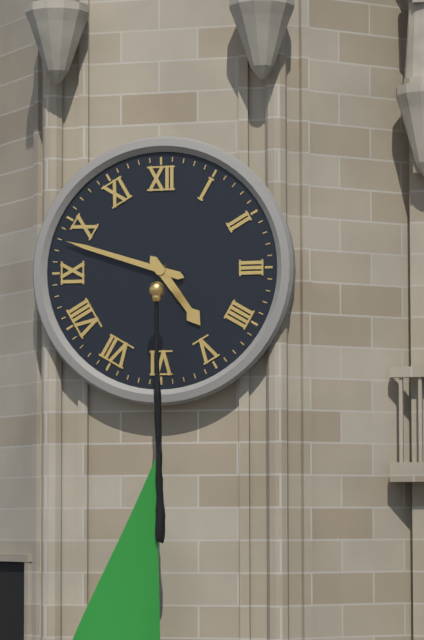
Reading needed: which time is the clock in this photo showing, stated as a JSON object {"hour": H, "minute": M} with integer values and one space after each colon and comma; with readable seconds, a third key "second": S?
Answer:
{"hour": 4, "minute": 48}
